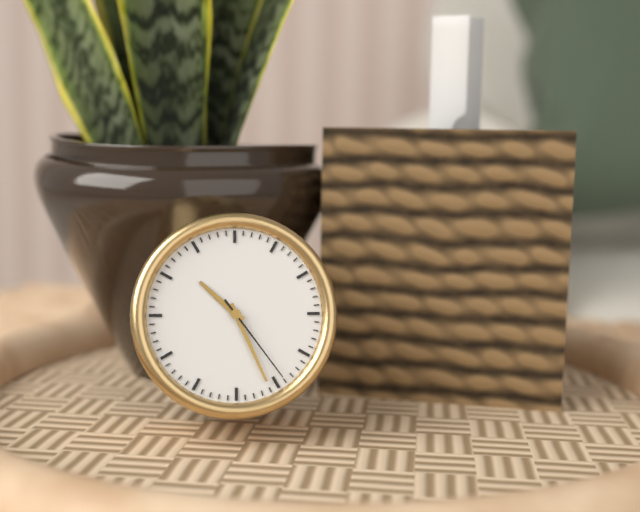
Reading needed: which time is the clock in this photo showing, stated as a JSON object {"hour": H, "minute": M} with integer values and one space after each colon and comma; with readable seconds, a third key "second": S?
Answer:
{"hour": 10, "minute": 26, "second": 24}
